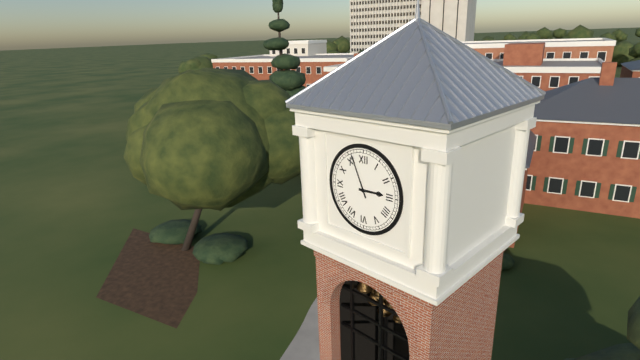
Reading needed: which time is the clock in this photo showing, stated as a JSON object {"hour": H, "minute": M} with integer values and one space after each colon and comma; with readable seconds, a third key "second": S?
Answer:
{"hour": 2, "minute": 56}
